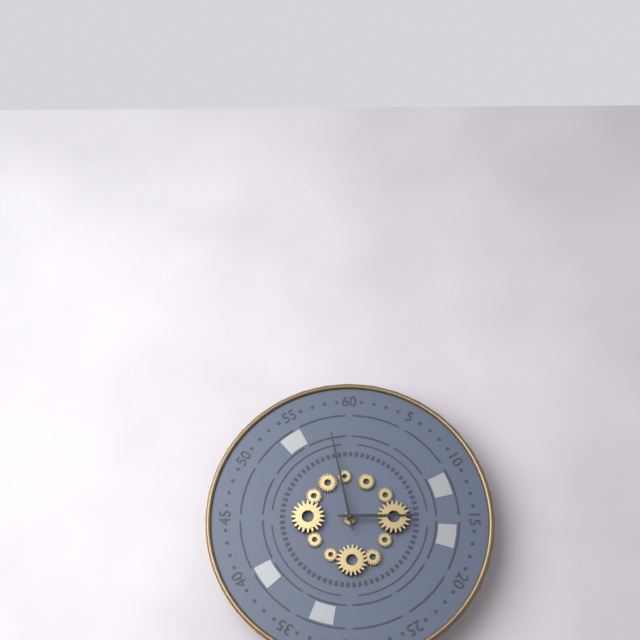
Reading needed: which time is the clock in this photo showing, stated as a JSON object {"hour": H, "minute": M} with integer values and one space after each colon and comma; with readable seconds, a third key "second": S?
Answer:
{"hour": 2, "minute": 58}
